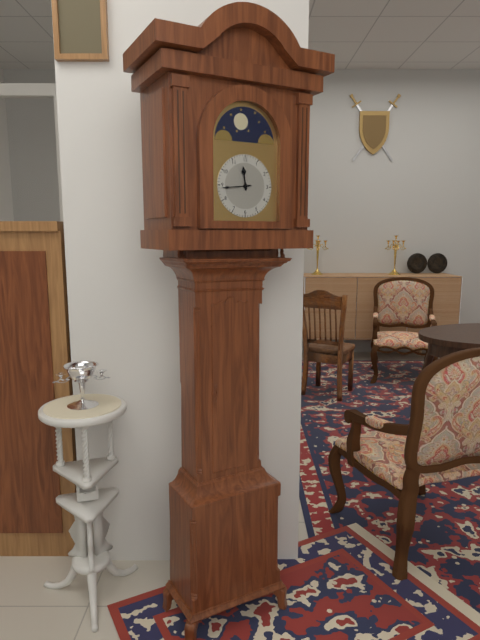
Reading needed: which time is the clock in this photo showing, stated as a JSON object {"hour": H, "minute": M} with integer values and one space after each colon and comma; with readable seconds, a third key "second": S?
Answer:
{"hour": 11, "minute": 44}
